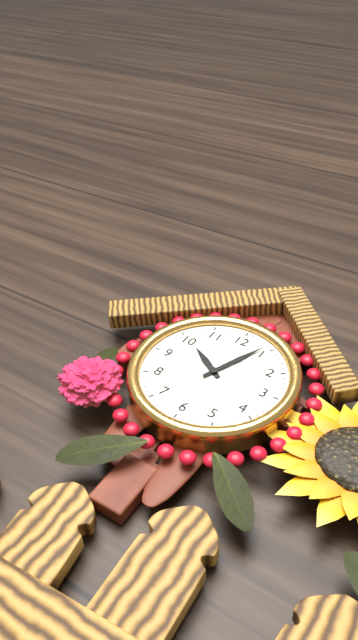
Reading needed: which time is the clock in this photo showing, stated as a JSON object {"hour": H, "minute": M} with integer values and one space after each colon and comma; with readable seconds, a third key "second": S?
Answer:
{"hour": 10, "minute": 4}
